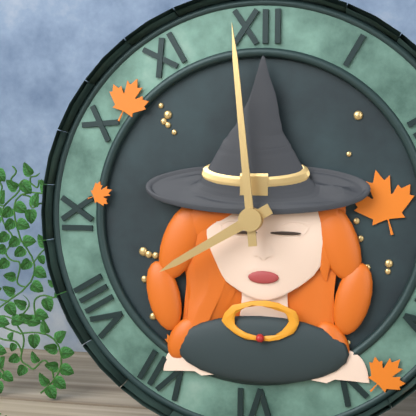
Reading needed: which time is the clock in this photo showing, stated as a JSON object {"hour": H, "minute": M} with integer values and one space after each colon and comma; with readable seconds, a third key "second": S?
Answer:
{"hour": 7, "minute": 59}
